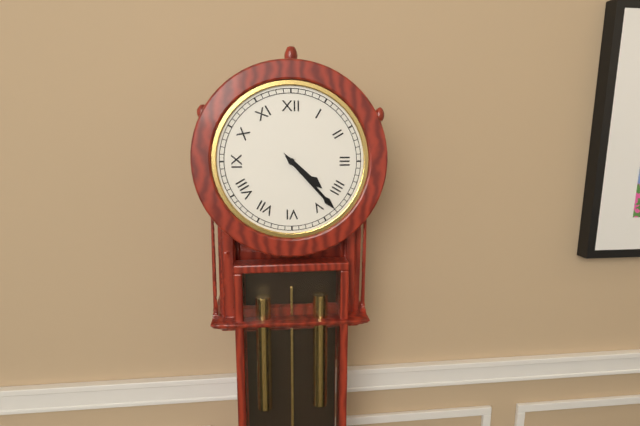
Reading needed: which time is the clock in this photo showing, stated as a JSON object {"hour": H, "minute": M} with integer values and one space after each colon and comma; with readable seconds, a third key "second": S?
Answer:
{"hour": 4, "minute": 23}
